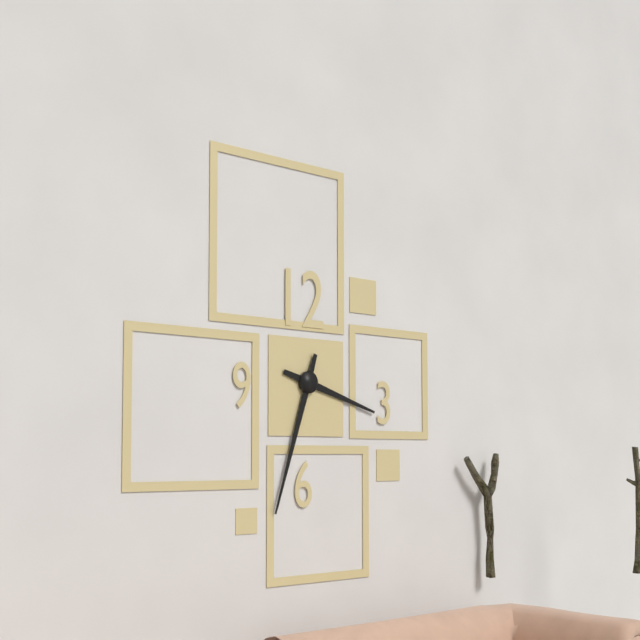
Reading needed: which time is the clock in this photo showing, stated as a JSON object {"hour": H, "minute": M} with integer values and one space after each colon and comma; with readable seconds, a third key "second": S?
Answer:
{"hour": 3, "minute": 33}
